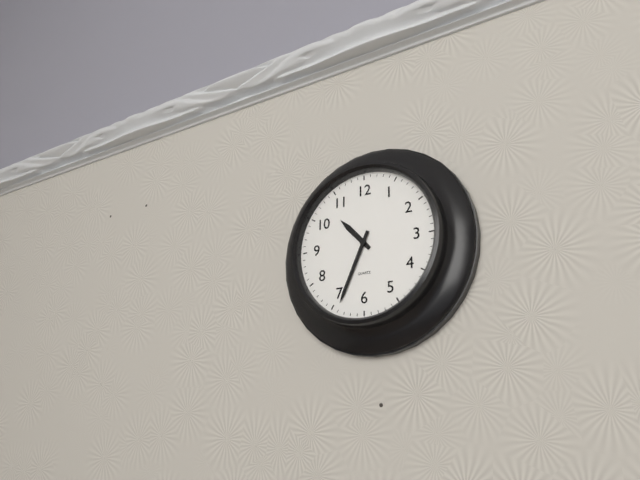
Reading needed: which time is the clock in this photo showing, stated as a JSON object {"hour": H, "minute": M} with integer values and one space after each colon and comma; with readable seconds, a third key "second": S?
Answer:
{"hour": 10, "minute": 34}
